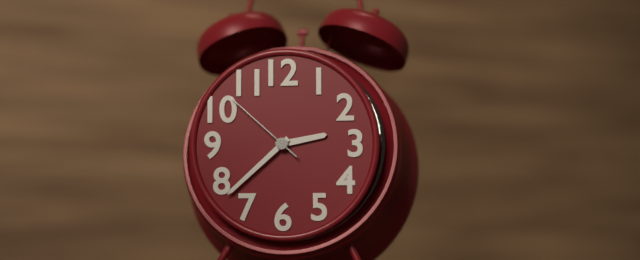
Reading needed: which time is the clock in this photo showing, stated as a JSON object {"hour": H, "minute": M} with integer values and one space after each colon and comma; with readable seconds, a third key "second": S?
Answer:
{"hour": 2, "minute": 38, "second": 52}
